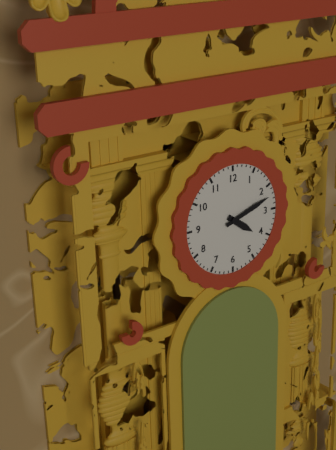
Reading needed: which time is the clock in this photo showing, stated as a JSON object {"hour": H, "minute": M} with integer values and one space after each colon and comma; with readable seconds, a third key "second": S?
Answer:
{"hour": 4, "minute": 12}
